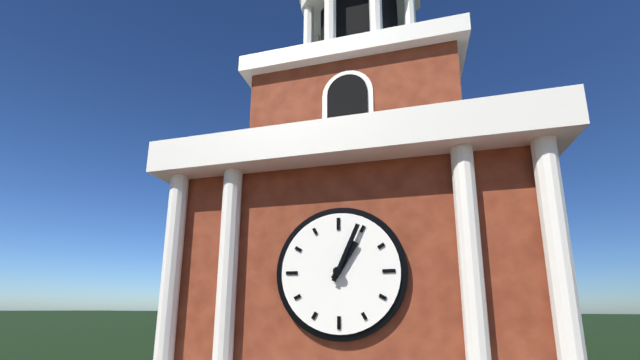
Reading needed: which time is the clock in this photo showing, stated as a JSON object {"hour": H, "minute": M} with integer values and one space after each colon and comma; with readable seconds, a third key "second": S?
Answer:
{"hour": 1, "minute": 4}
